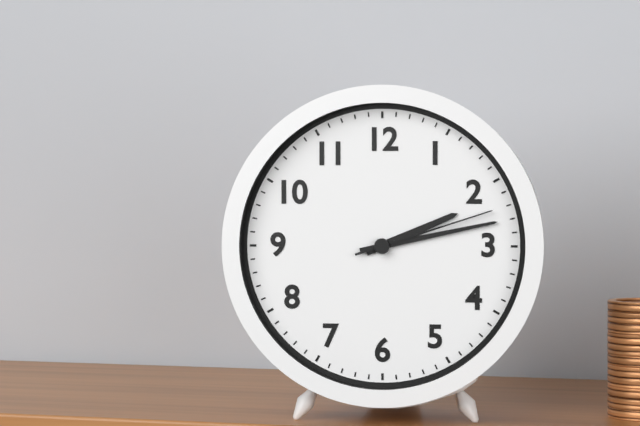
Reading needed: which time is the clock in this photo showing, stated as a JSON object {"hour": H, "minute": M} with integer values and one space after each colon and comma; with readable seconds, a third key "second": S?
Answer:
{"hour": 2, "minute": 13, "second": 12}
